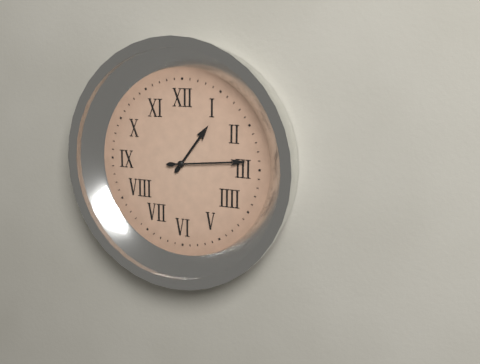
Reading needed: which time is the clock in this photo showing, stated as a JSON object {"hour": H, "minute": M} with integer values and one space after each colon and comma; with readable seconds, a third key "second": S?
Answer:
{"hour": 1, "minute": 14}
